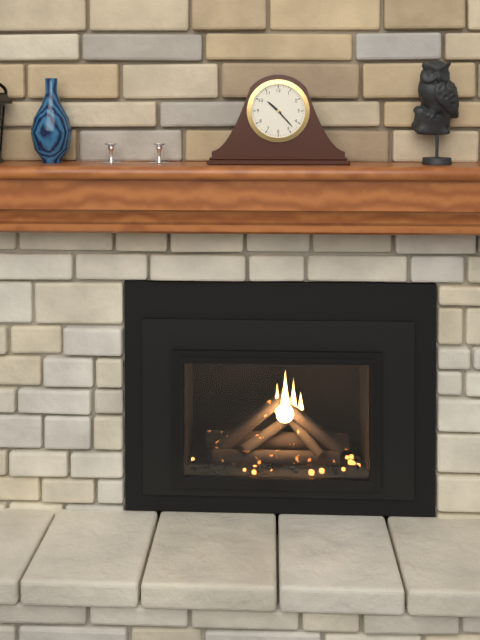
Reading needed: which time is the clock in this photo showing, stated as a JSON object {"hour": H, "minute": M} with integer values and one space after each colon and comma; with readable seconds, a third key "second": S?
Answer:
{"hour": 10, "minute": 23}
